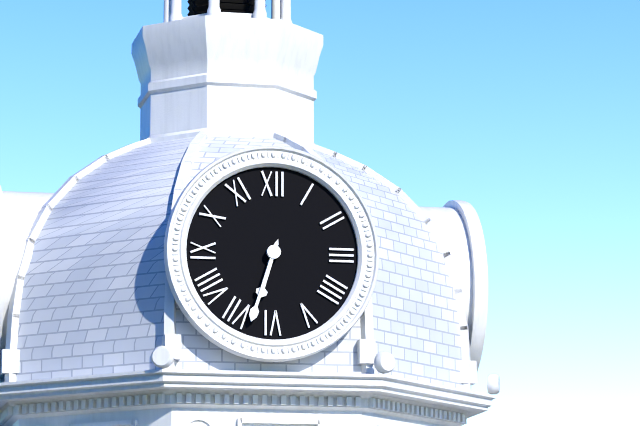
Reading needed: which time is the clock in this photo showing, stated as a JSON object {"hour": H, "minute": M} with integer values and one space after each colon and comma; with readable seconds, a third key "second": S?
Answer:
{"hour": 6, "minute": 33}
